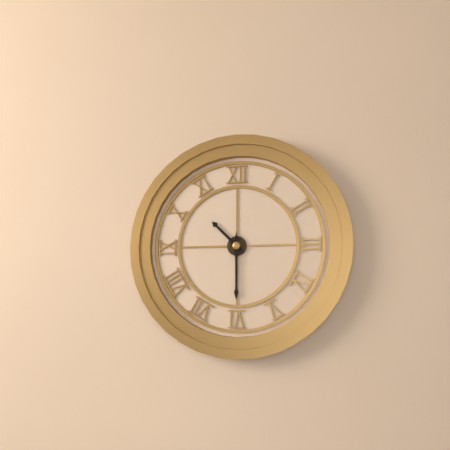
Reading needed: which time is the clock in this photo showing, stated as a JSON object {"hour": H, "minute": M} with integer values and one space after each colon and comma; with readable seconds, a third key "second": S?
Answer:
{"hour": 10, "minute": 30}
